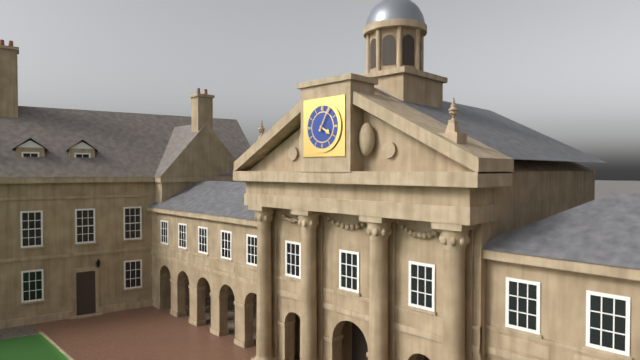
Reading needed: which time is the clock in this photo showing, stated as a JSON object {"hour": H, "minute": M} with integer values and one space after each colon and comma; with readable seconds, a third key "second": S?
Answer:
{"hour": 4, "minute": 5}
